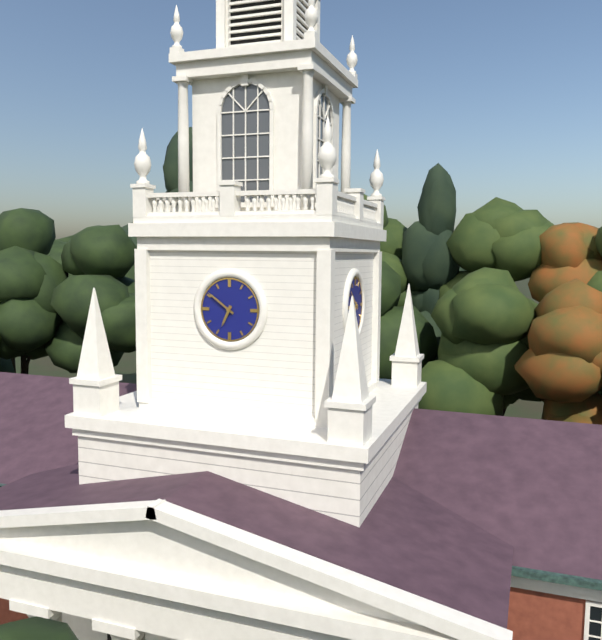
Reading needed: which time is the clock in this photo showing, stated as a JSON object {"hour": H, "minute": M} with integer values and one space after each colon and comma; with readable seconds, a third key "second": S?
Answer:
{"hour": 6, "minute": 51}
